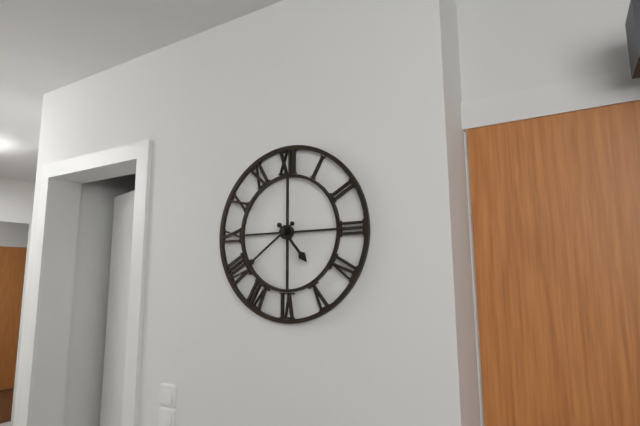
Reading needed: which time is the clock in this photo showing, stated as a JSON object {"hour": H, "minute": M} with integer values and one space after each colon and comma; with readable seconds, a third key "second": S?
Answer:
{"hour": 4, "minute": 39}
